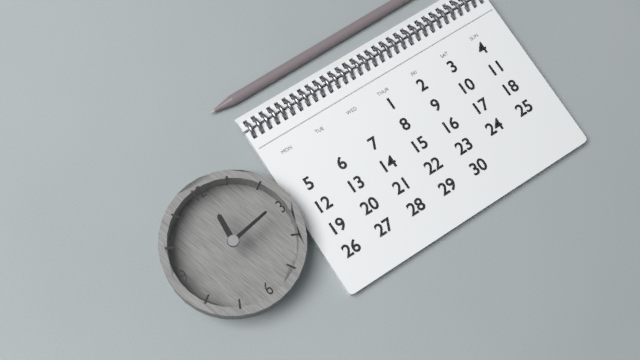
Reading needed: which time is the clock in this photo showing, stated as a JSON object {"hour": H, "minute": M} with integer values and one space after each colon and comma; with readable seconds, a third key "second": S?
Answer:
{"hour": 12, "minute": 14}
